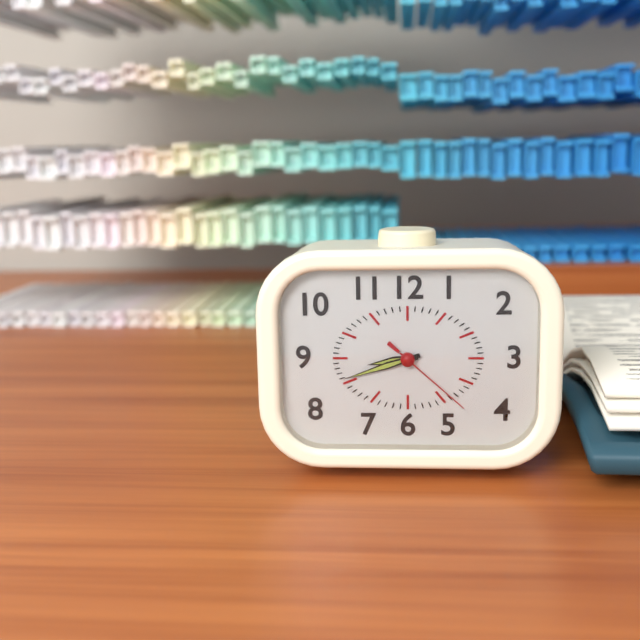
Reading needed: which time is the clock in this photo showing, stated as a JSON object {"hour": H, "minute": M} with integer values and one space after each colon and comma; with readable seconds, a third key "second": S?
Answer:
{"hour": 8, "minute": 42, "second": 22}
